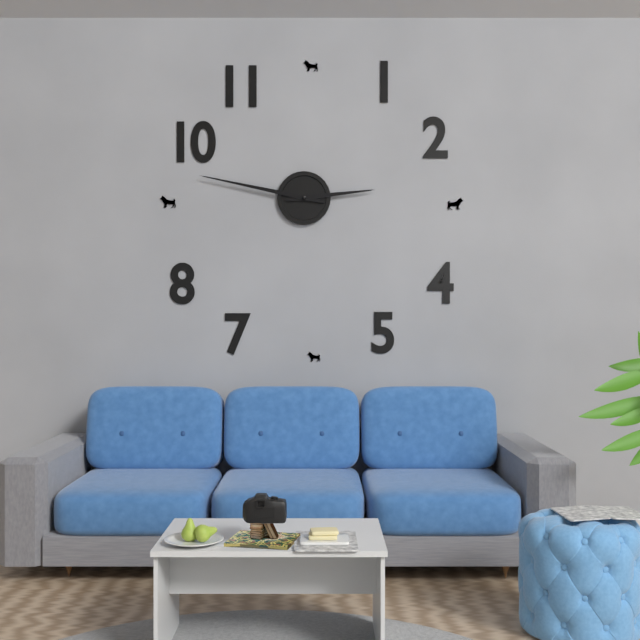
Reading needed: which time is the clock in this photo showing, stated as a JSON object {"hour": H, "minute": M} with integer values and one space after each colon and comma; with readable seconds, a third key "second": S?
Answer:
{"hour": 2, "minute": 47}
